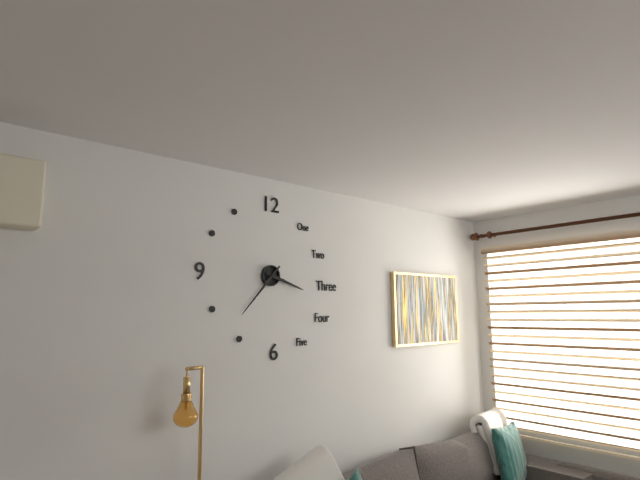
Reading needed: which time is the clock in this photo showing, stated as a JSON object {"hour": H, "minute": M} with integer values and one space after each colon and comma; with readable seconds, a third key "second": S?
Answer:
{"hour": 3, "minute": 37}
